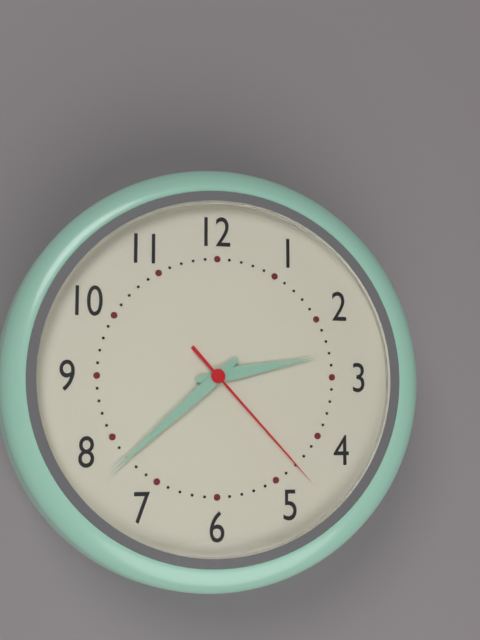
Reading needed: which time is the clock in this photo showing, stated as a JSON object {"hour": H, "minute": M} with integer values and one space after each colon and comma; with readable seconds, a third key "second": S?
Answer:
{"hour": 2, "minute": 38, "second": 23}
